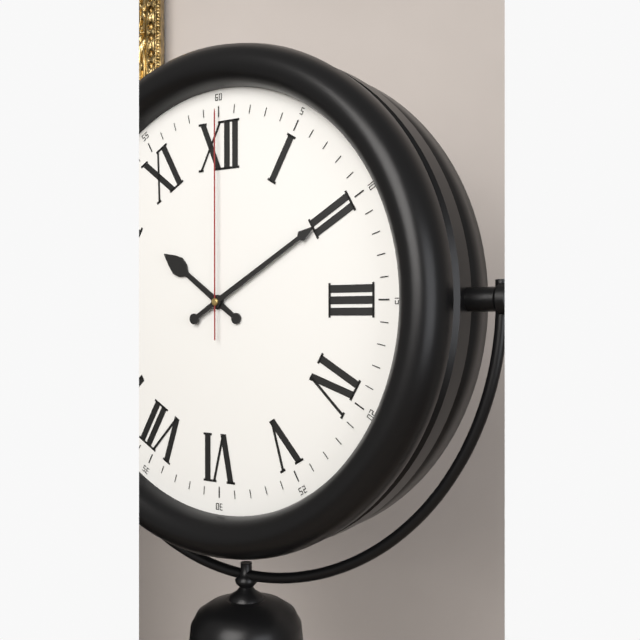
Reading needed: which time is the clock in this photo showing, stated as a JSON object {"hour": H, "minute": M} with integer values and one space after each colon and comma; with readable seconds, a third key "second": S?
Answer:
{"hour": 10, "minute": 10, "second": 0}
